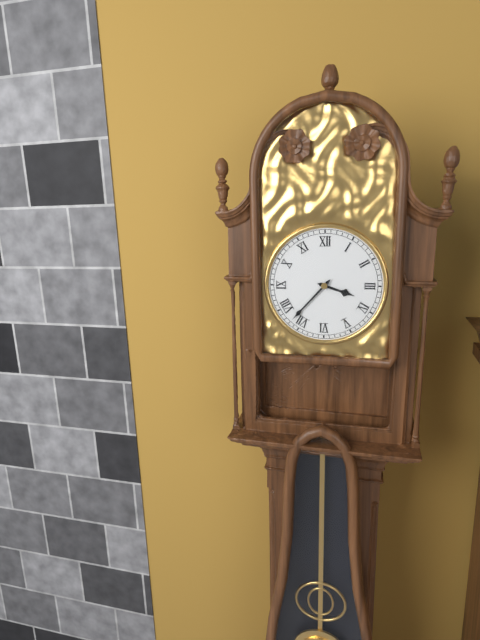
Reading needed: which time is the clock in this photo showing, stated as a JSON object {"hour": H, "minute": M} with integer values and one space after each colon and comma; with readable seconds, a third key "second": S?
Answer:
{"hour": 3, "minute": 37}
